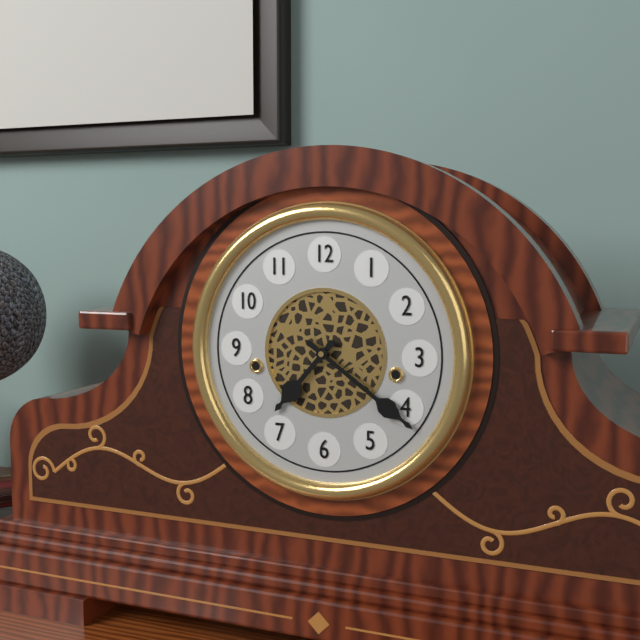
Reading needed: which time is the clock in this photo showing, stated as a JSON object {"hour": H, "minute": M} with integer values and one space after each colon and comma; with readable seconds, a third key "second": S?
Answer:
{"hour": 7, "minute": 21}
